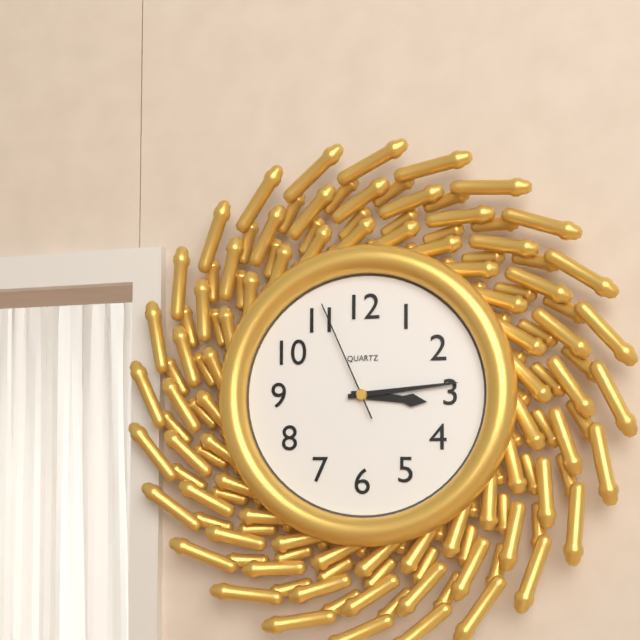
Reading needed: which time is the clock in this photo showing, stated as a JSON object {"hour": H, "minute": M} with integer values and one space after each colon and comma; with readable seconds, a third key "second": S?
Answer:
{"hour": 3, "minute": 14, "second": 56}
